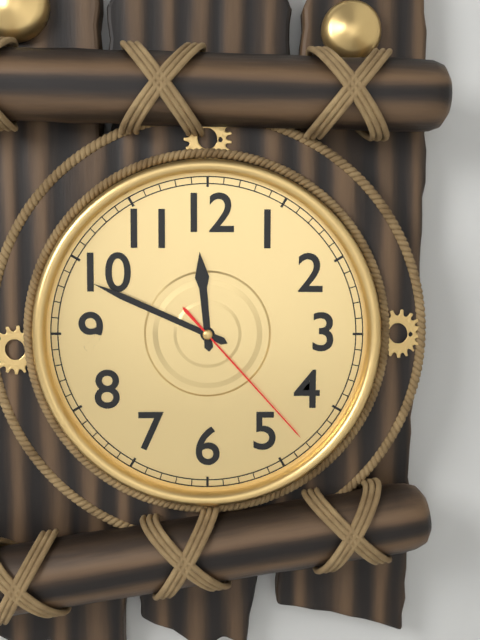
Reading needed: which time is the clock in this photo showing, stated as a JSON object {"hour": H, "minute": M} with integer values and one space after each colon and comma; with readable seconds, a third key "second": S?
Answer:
{"hour": 11, "minute": 49, "second": 23}
